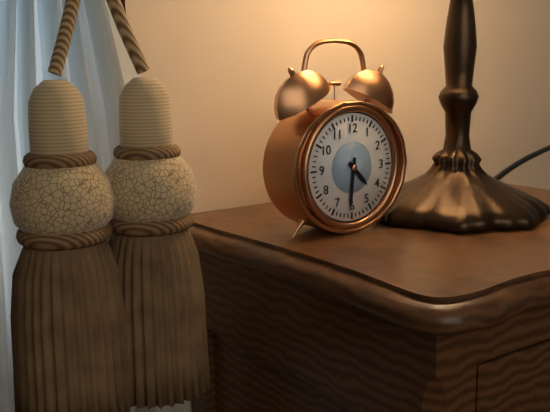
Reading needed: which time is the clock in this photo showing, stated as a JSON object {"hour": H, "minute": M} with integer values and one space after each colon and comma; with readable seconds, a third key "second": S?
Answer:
{"hour": 4, "minute": 31}
